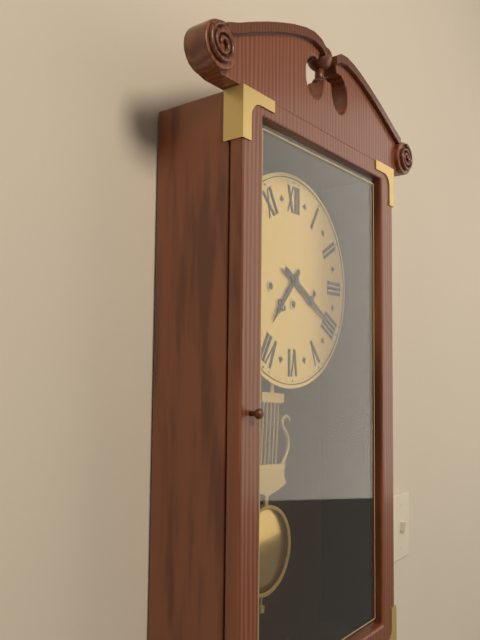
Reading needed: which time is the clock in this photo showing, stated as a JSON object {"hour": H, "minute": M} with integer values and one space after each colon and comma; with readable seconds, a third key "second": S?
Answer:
{"hour": 7, "minute": 20}
